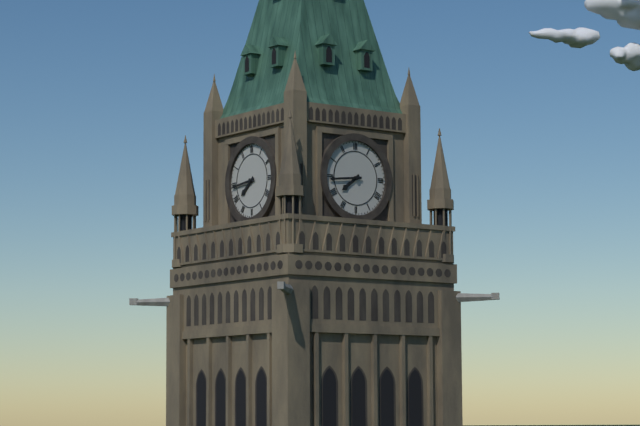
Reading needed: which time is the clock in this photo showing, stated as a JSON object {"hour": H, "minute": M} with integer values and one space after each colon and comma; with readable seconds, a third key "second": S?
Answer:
{"hour": 7, "minute": 44}
